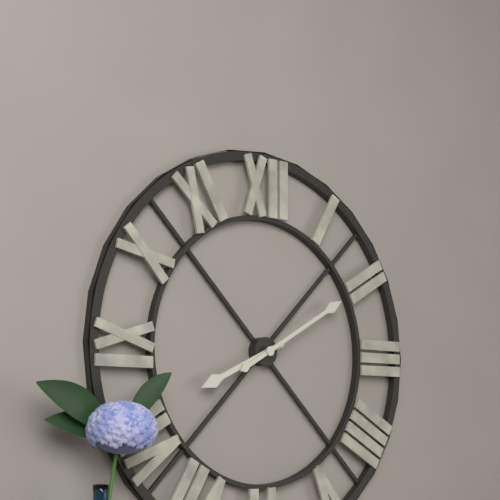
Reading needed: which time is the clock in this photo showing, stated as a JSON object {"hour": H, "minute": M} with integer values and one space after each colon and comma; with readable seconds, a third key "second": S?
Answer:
{"hour": 8, "minute": 10}
